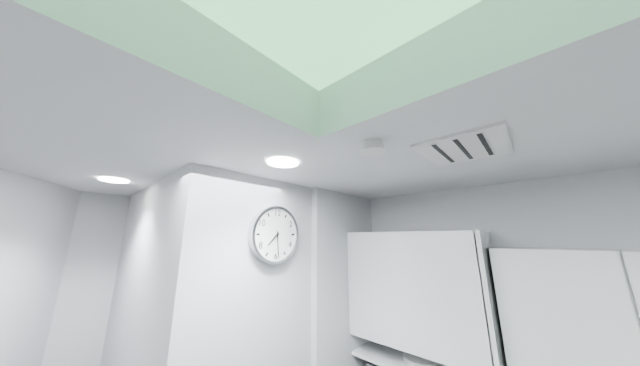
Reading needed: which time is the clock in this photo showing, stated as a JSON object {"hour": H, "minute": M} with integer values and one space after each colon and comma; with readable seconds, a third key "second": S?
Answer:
{"hour": 7, "minute": 29}
